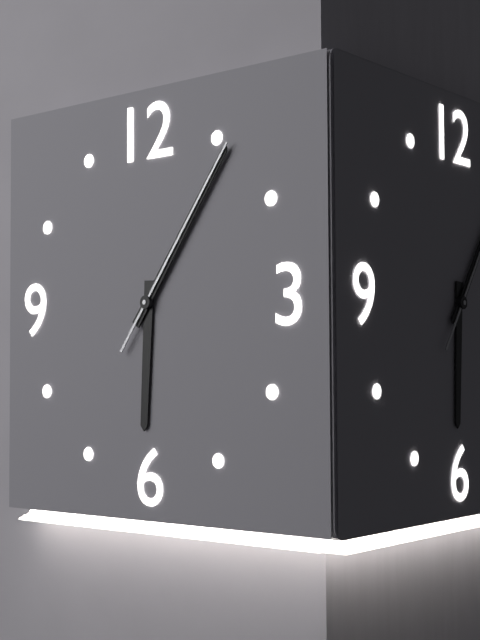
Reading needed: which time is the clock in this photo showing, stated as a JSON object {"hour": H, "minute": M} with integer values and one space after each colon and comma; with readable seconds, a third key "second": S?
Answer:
{"hour": 6, "minute": 6, "second": 6}
